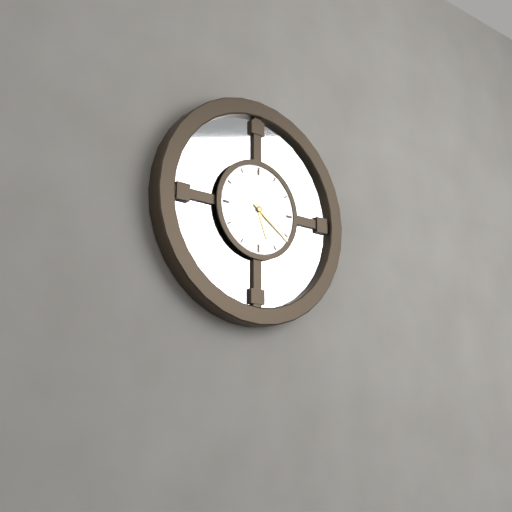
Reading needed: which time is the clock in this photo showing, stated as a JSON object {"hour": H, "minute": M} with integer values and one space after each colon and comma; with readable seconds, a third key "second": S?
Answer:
{"hour": 5, "minute": 21}
